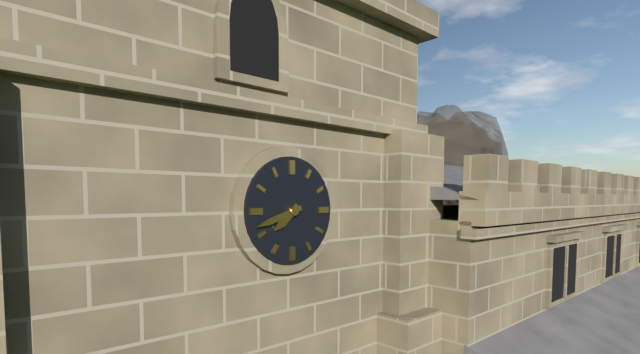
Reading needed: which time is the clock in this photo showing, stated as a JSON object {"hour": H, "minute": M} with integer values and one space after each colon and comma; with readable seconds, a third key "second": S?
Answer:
{"hour": 7, "minute": 42}
